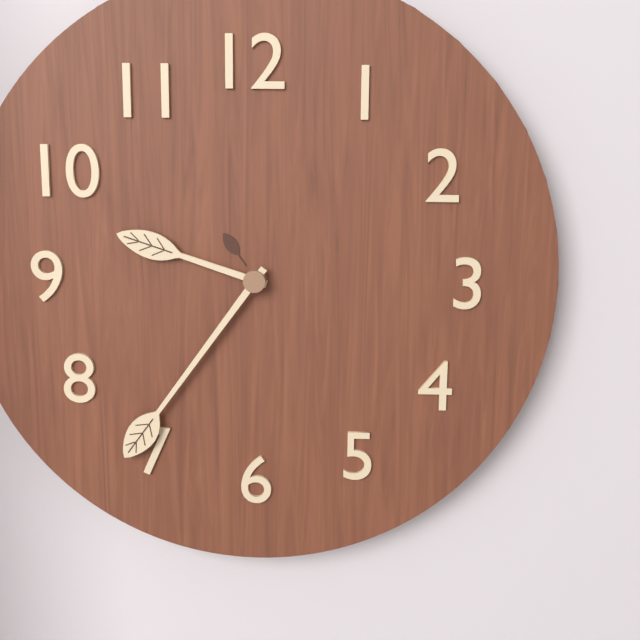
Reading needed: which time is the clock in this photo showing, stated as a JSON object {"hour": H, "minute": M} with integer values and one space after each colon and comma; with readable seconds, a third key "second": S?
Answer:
{"hour": 9, "minute": 36}
